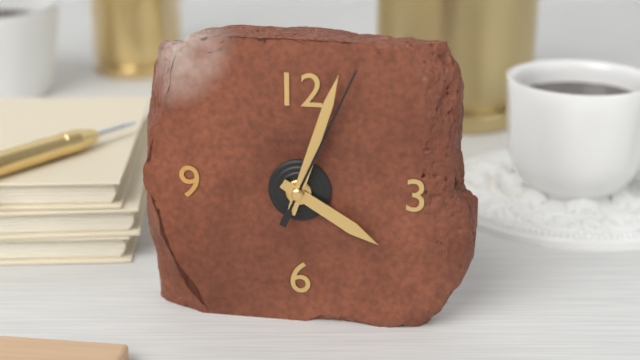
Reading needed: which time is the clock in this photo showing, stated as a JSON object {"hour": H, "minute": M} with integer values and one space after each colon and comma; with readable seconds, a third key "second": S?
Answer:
{"hour": 4, "minute": 3, "second": 4}
